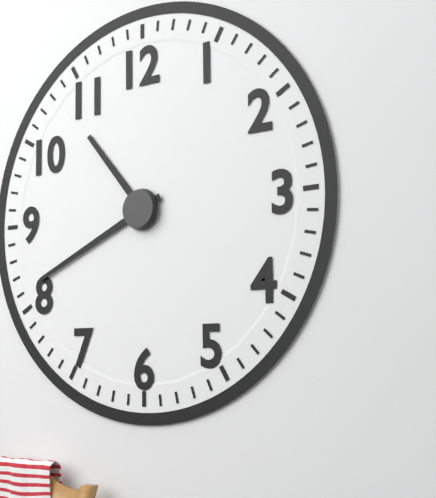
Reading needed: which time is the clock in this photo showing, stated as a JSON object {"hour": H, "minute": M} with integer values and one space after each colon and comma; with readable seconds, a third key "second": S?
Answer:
{"hour": 10, "minute": 41}
